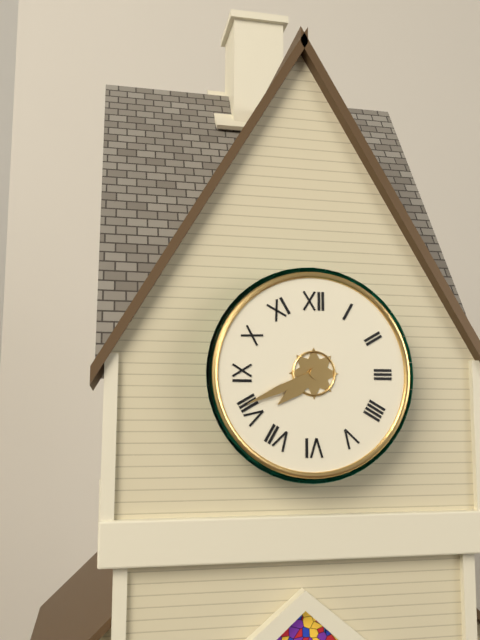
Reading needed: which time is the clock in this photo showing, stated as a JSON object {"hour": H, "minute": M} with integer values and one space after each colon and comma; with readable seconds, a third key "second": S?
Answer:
{"hour": 7, "minute": 41}
